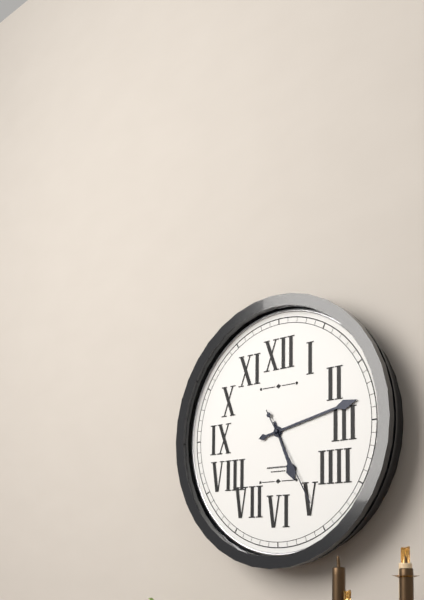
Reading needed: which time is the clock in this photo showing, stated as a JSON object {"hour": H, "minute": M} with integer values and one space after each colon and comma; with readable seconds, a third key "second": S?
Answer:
{"hour": 5, "minute": 13, "second": 25}
